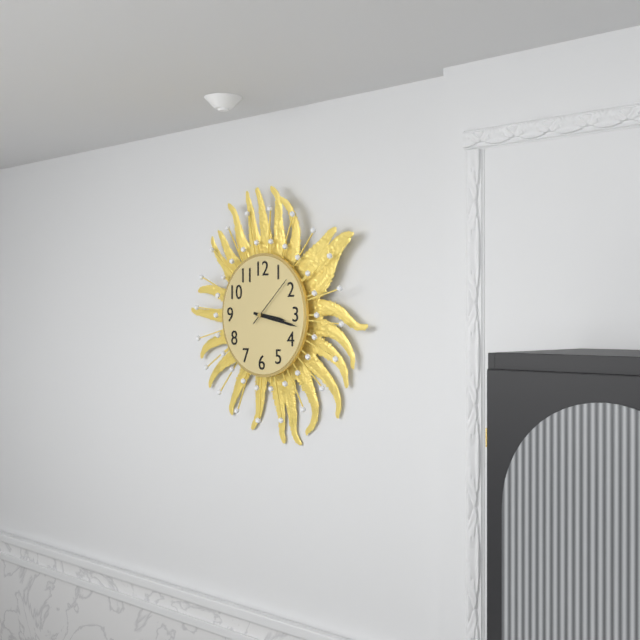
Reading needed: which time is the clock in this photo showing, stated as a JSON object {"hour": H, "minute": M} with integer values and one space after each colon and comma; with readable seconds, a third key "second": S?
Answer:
{"hour": 3, "minute": 17, "second": 8}
